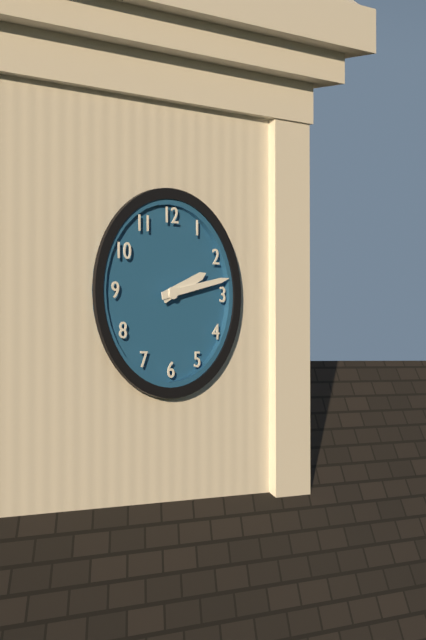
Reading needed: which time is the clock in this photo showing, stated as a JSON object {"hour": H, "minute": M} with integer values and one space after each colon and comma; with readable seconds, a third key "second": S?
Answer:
{"hour": 2, "minute": 13}
